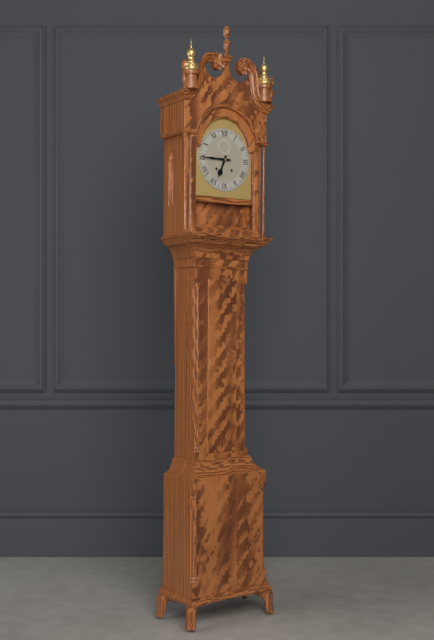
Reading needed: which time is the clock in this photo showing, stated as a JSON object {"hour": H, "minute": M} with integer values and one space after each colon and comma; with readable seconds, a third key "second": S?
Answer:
{"hour": 6, "minute": 45}
